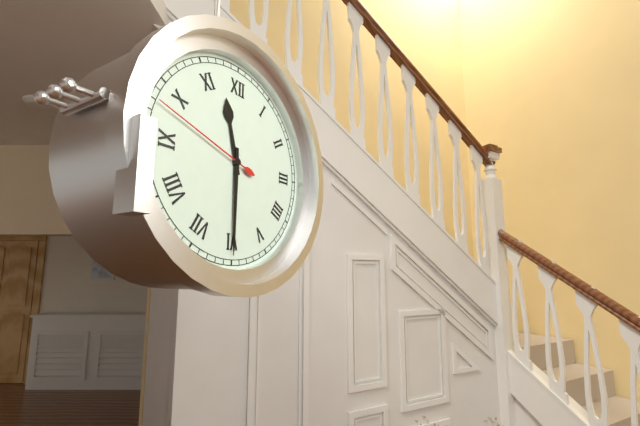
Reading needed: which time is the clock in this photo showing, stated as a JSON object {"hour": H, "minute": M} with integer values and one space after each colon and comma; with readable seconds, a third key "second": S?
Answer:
{"hour": 11, "minute": 30, "second": 48}
